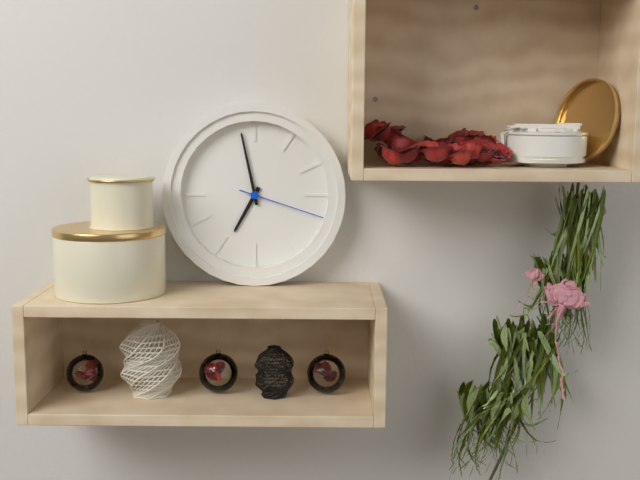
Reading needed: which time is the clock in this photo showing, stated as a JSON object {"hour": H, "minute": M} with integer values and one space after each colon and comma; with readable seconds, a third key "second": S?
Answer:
{"hour": 6, "minute": 58, "second": 18}
